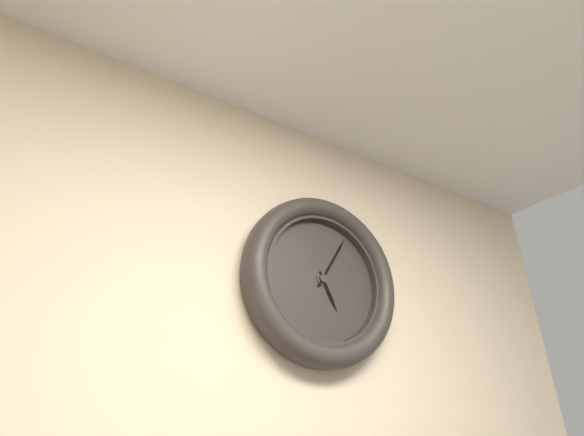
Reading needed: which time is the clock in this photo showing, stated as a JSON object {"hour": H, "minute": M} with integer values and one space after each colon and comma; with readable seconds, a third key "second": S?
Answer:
{"hour": 5, "minute": 5}
